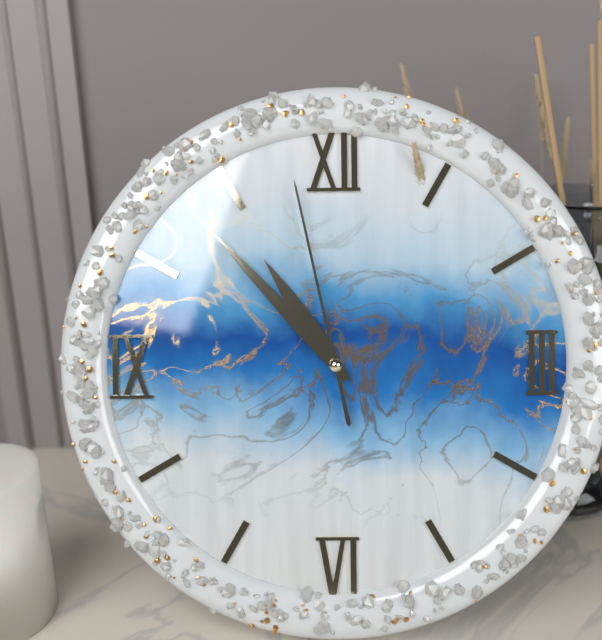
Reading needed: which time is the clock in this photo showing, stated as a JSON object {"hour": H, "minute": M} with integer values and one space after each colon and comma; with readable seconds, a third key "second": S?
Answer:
{"hour": 10, "minute": 53, "second": 58}
